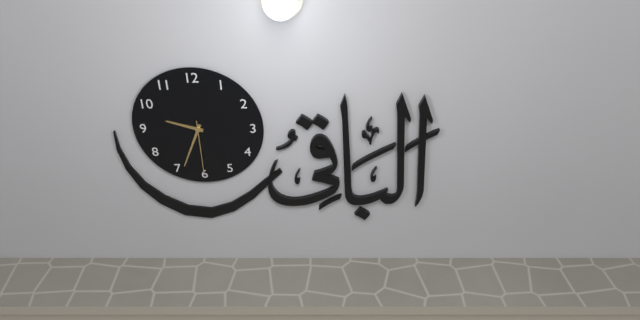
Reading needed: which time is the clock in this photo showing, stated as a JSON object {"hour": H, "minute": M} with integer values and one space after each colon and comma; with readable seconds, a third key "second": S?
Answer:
{"hour": 9, "minute": 34, "second": 30}
